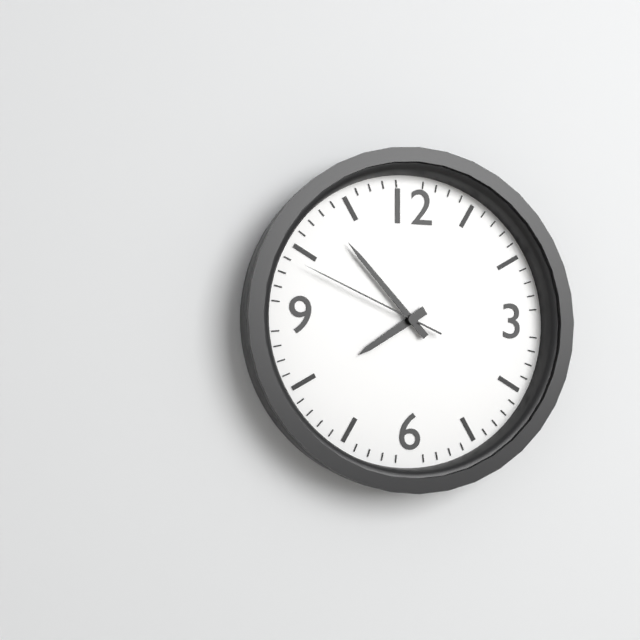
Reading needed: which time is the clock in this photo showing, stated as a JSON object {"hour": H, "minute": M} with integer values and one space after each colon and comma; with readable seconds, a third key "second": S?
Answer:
{"hour": 7, "minute": 53, "second": 49}
